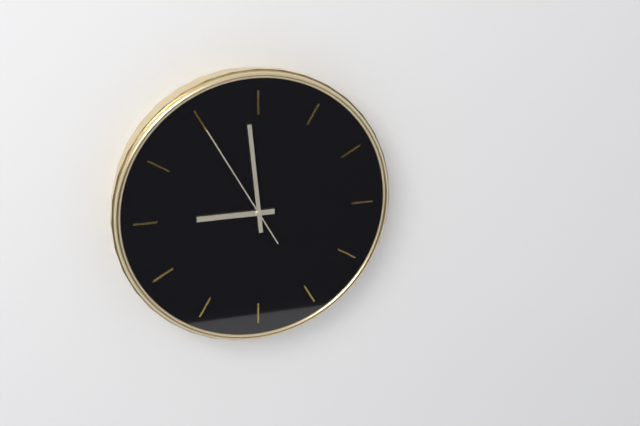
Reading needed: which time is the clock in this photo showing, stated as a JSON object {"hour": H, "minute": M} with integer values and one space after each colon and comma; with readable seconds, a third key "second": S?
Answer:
{"hour": 8, "minute": 59, "second": 55}
